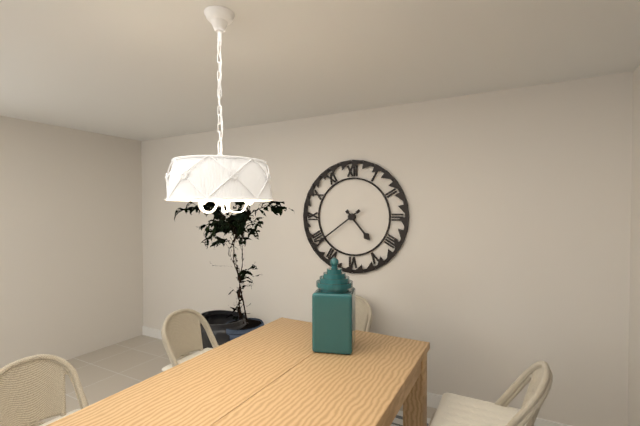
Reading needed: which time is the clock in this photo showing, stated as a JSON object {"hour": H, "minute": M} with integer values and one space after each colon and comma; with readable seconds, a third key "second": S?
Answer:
{"hour": 4, "minute": 39}
